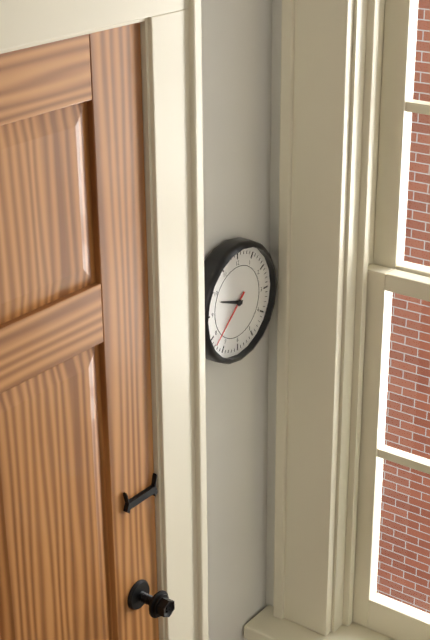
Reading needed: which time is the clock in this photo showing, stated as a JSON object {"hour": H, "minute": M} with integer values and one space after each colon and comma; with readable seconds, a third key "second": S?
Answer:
{"hour": 9, "minute": 38}
